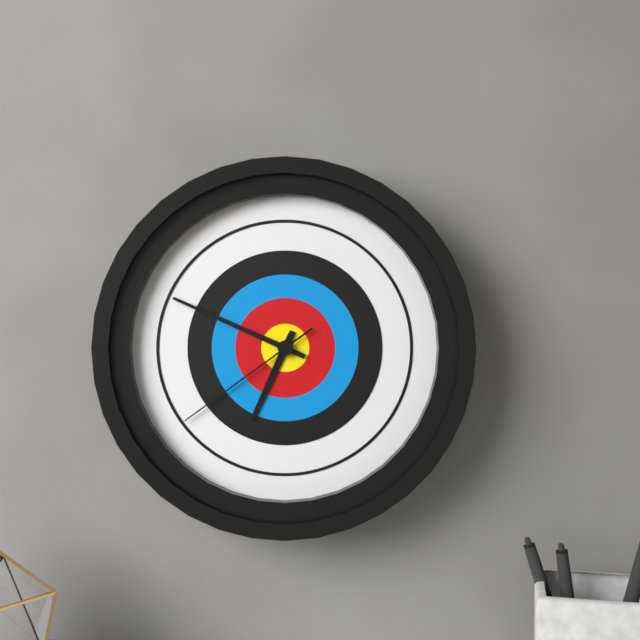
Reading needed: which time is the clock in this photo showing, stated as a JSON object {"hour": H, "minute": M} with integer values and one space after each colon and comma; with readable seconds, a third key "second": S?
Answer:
{"hour": 6, "minute": 49, "second": 39}
